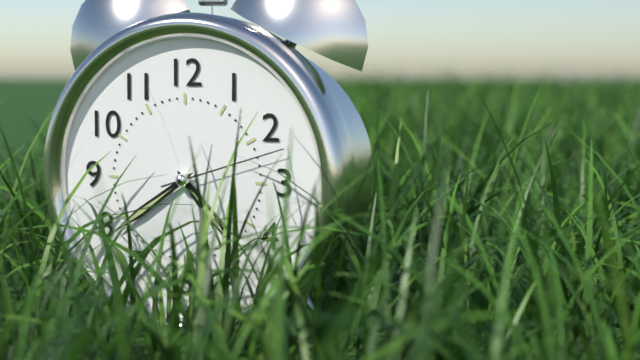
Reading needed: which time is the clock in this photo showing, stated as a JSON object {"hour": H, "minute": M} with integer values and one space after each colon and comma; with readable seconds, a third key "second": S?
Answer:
{"hour": 4, "minute": 39, "second": 12}
